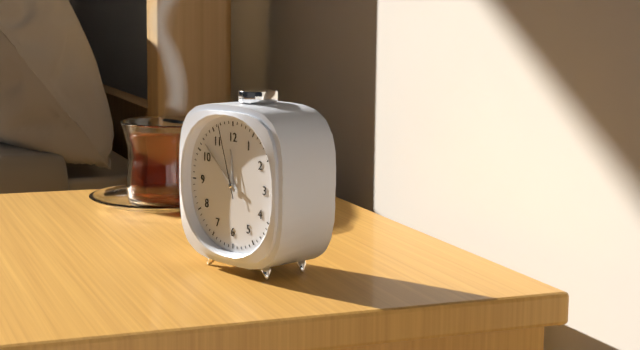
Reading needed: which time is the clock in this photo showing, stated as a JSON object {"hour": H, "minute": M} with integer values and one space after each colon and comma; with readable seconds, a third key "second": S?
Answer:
{"hour": 11, "minute": 52, "second": 57}
